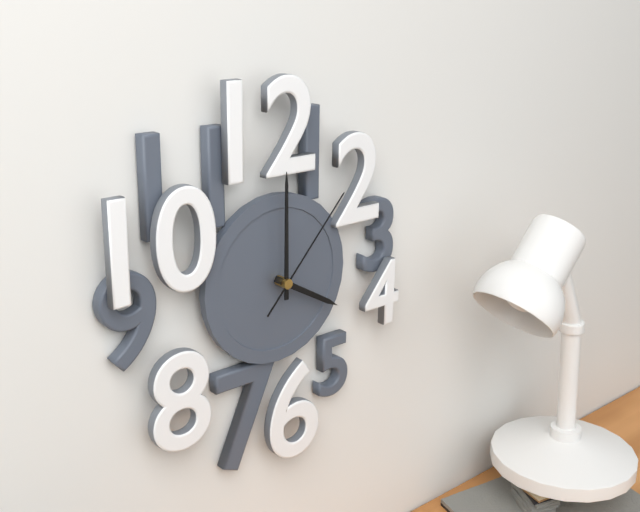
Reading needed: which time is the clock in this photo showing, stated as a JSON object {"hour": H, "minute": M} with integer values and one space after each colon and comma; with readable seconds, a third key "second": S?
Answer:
{"hour": 4, "minute": 0, "second": 7}
